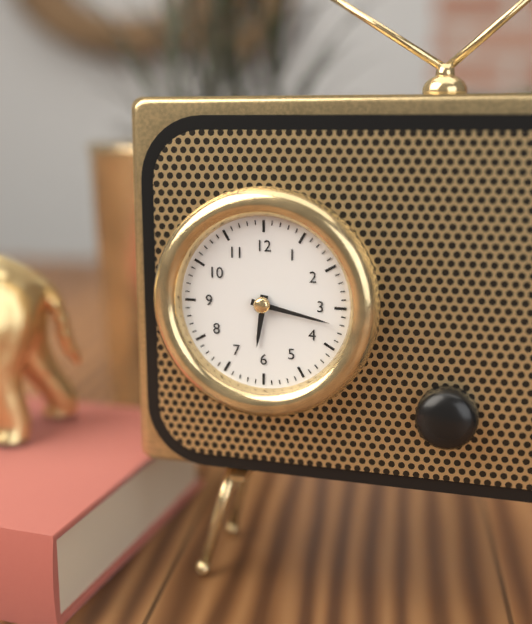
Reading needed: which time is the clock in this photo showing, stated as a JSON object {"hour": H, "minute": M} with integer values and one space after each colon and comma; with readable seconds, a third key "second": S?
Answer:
{"hour": 6, "minute": 17}
